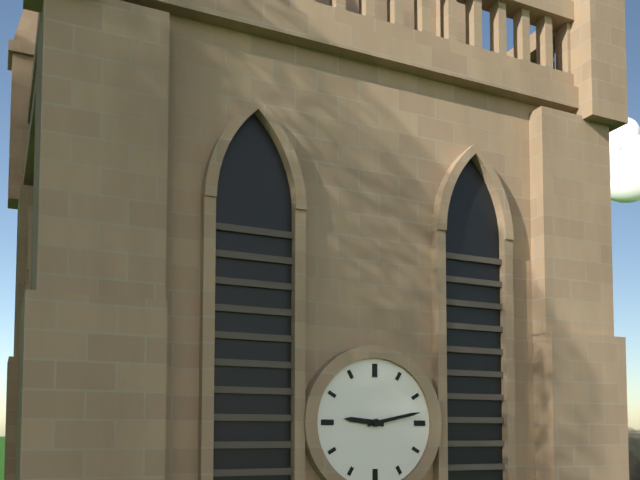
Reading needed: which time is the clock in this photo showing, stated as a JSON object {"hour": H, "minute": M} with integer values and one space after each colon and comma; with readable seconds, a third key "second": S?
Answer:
{"hour": 9, "minute": 13}
